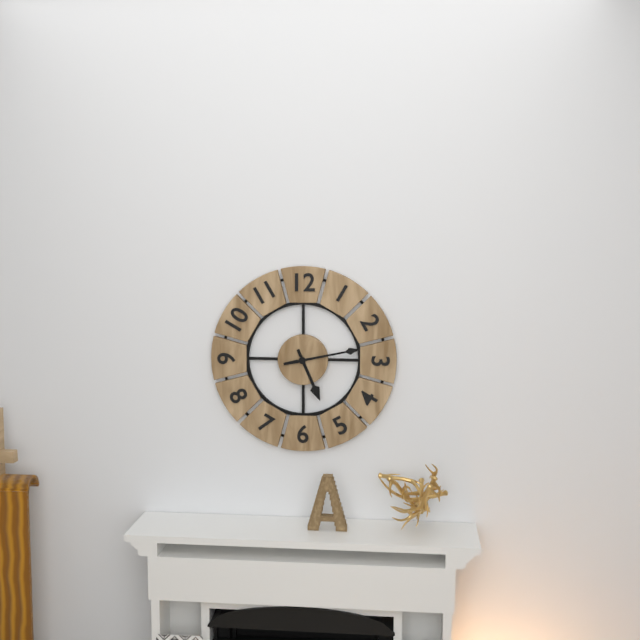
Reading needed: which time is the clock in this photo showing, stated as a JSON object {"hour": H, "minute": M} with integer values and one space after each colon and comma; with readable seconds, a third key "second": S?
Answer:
{"hour": 5, "minute": 13}
